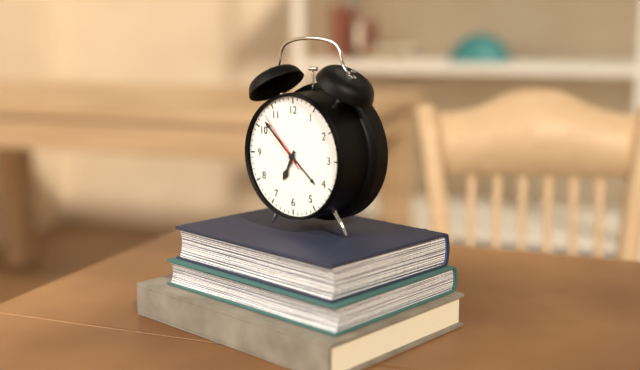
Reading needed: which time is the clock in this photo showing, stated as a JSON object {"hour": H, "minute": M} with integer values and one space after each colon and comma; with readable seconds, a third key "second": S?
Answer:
{"hour": 6, "minute": 52, "second": 53}
